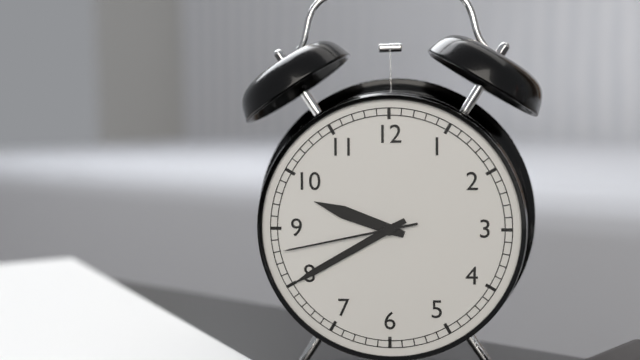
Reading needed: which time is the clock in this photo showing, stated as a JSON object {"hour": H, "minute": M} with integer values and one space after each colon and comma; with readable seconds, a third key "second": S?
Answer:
{"hour": 9, "minute": 40, "second": 43}
